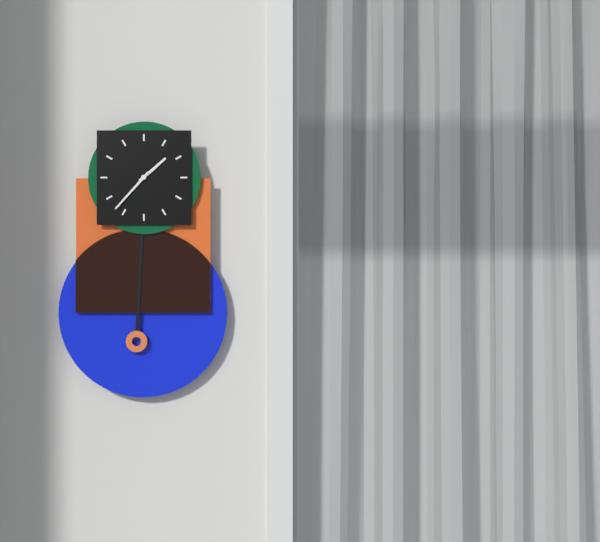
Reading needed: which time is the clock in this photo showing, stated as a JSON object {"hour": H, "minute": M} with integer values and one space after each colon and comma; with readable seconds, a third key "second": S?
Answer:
{"hour": 1, "minute": 37}
